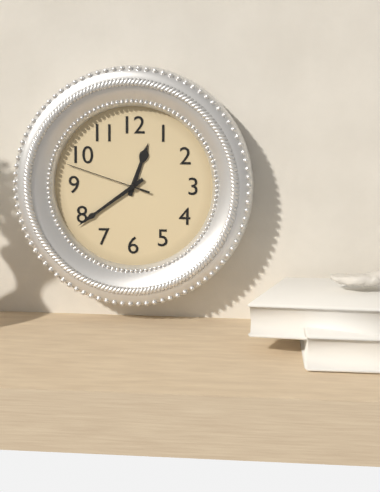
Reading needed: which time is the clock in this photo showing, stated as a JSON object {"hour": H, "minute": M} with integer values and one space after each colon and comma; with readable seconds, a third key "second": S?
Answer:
{"hour": 12, "minute": 39, "second": 48}
